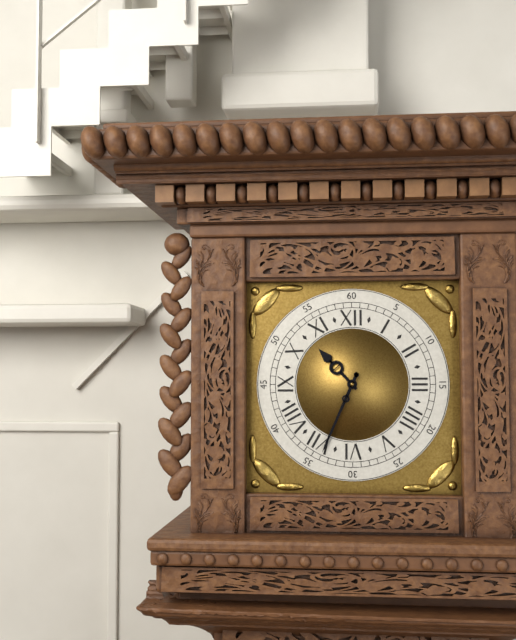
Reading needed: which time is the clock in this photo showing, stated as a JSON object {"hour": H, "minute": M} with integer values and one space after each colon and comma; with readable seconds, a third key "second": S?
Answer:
{"hour": 10, "minute": 34}
